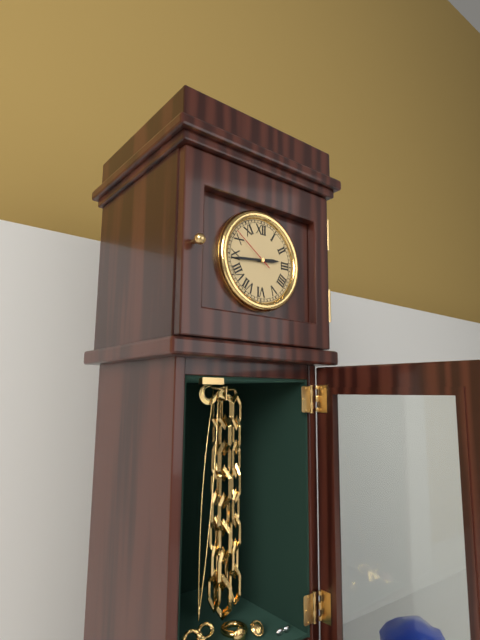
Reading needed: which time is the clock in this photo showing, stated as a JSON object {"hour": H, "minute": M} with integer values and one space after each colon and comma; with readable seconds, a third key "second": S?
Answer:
{"hour": 2, "minute": 44}
